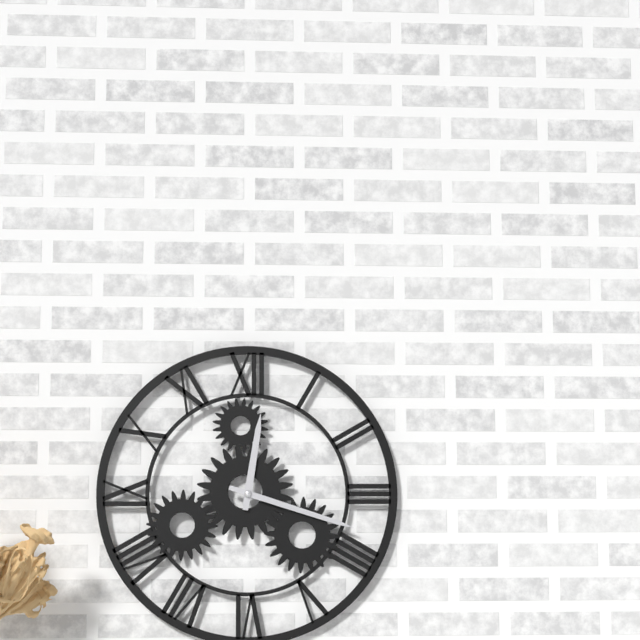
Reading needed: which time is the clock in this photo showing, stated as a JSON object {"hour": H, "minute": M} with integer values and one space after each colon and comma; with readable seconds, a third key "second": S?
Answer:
{"hour": 12, "minute": 18}
